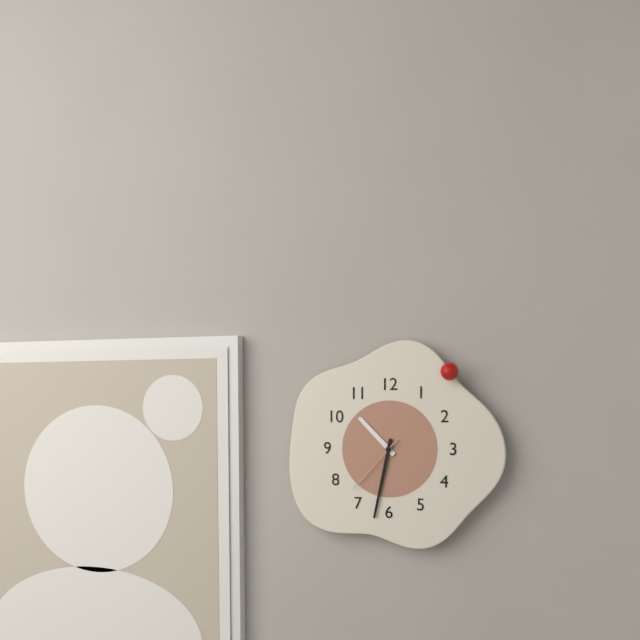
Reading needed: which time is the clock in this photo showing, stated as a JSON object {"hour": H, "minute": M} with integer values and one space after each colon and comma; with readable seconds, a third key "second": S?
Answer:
{"hour": 10, "minute": 32, "second": 37}
